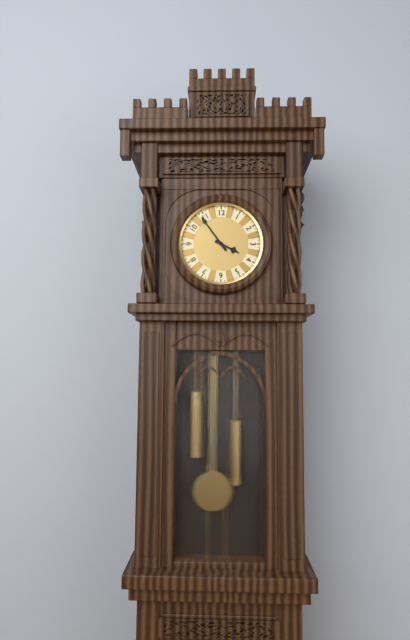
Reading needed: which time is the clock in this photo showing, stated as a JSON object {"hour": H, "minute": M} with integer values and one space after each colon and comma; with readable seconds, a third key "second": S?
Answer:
{"hour": 3, "minute": 54}
